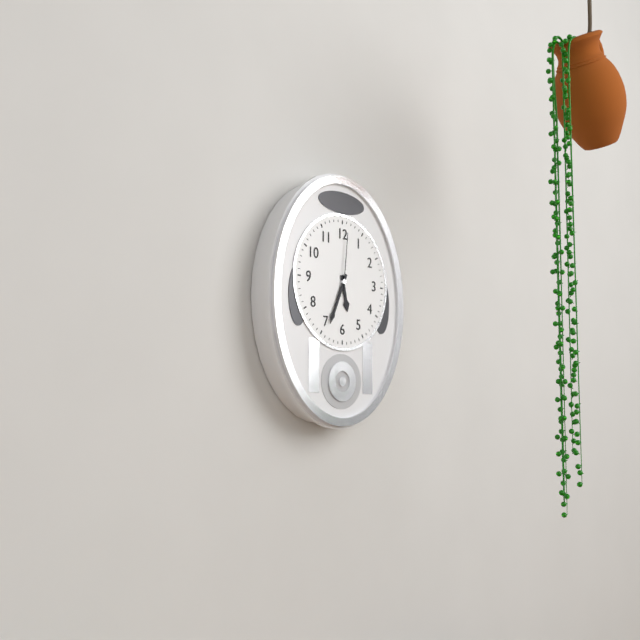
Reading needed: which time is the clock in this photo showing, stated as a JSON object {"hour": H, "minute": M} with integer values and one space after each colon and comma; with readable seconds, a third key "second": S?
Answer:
{"hour": 5, "minute": 34, "second": 1}
